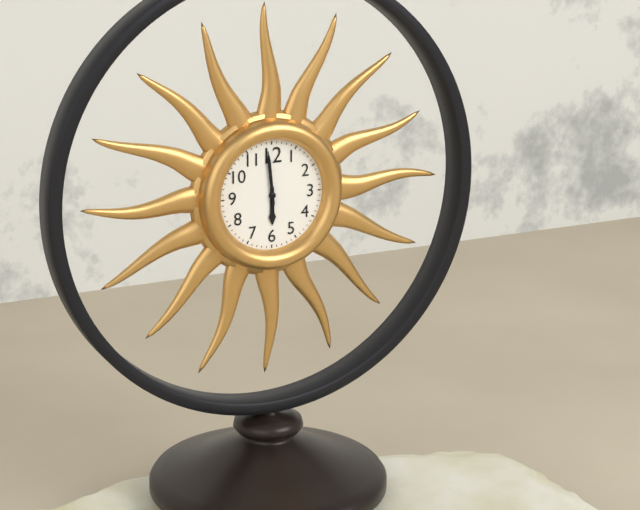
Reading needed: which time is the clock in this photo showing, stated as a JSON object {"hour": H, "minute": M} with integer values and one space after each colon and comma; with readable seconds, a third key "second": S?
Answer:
{"hour": 5, "minute": 59}
